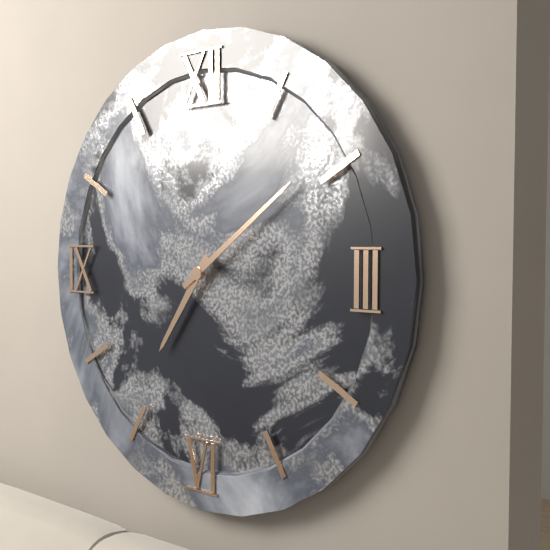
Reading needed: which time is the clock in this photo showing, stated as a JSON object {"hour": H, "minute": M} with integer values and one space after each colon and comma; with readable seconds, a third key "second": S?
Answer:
{"hour": 7, "minute": 9}
